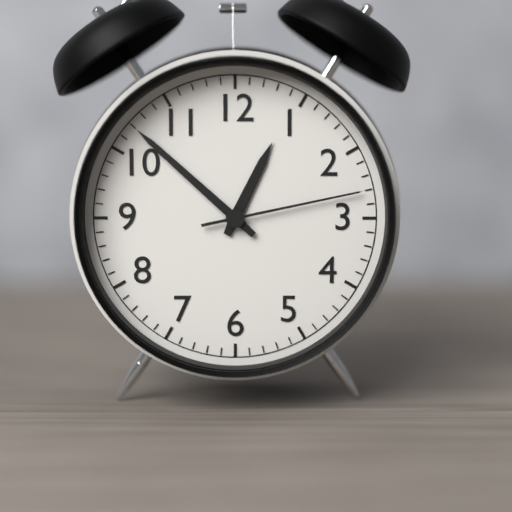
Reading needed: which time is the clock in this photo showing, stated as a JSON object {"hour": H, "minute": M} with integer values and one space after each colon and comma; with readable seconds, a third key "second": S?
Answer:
{"hour": 12, "minute": 52, "second": 13}
